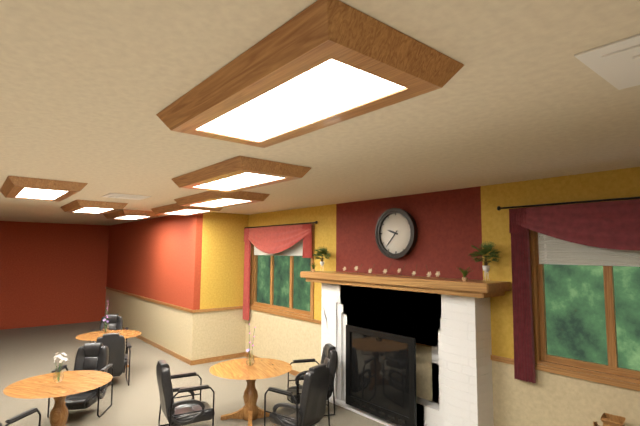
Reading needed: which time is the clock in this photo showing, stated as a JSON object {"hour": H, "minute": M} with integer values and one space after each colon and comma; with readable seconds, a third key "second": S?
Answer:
{"hour": 9, "minute": 37}
